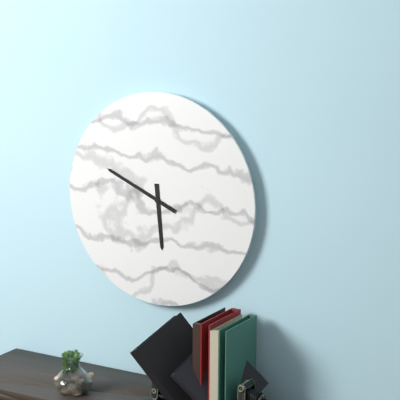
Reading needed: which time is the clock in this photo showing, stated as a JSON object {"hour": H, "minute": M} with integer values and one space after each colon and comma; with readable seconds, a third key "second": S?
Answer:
{"hour": 5, "minute": 49}
